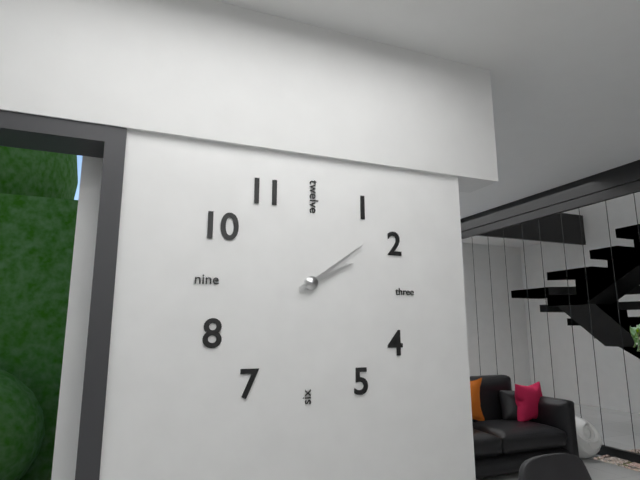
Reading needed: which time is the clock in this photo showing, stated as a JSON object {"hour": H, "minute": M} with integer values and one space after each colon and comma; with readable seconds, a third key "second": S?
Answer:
{"hour": 2, "minute": 9}
